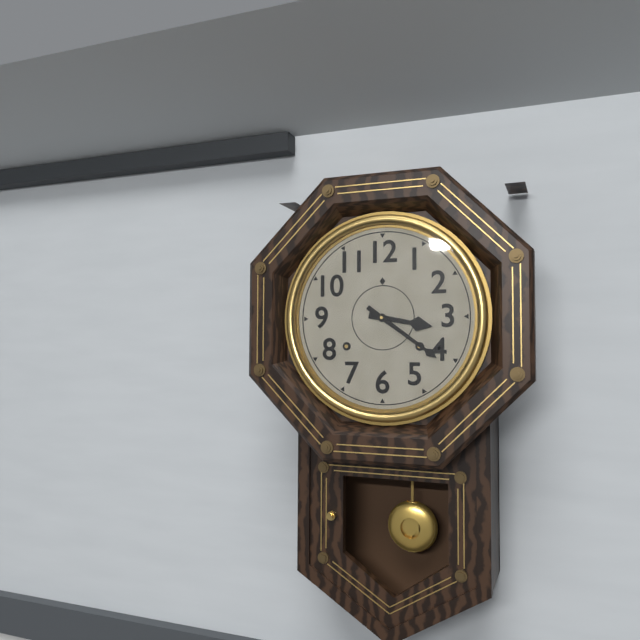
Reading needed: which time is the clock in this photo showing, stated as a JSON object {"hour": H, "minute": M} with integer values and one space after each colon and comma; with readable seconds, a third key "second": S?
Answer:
{"hour": 3, "minute": 21}
